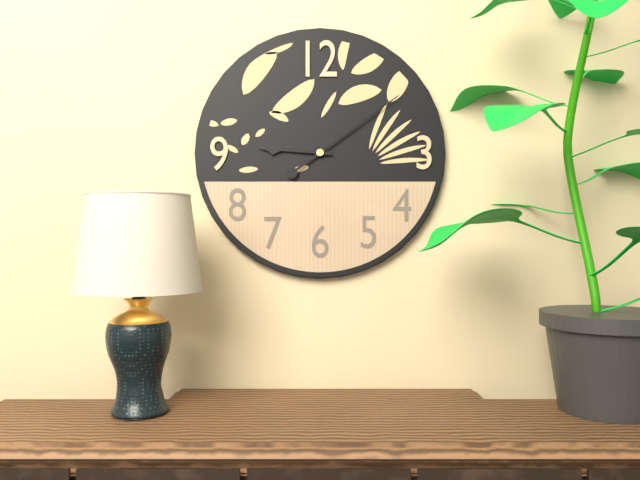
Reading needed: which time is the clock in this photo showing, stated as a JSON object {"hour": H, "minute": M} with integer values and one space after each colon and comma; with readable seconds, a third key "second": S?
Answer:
{"hour": 9, "minute": 9}
